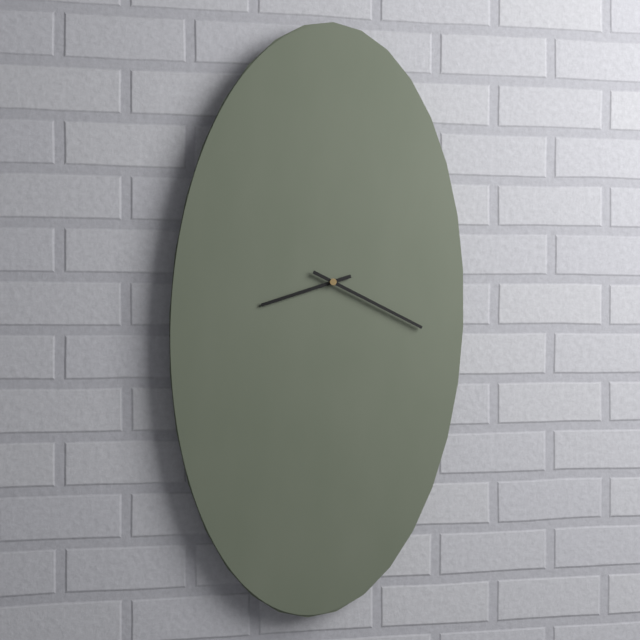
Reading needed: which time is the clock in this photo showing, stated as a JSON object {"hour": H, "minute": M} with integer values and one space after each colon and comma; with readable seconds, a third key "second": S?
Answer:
{"hour": 8, "minute": 19}
